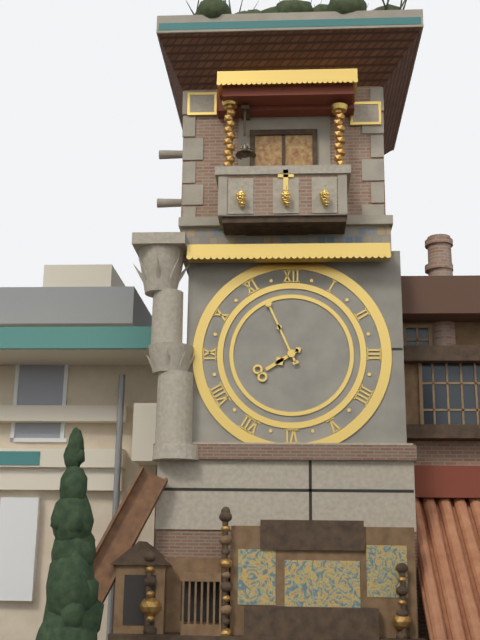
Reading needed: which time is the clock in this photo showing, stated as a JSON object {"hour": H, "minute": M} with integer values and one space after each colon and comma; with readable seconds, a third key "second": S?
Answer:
{"hour": 7, "minute": 56}
